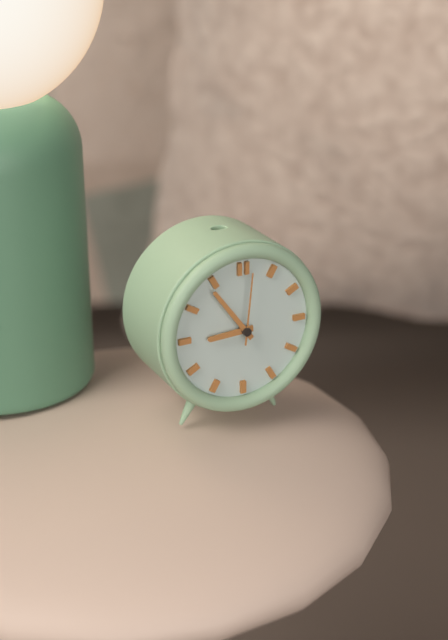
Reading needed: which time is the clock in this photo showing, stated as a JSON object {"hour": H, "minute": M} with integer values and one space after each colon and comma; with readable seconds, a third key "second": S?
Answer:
{"hour": 8, "minute": 54, "second": 1}
